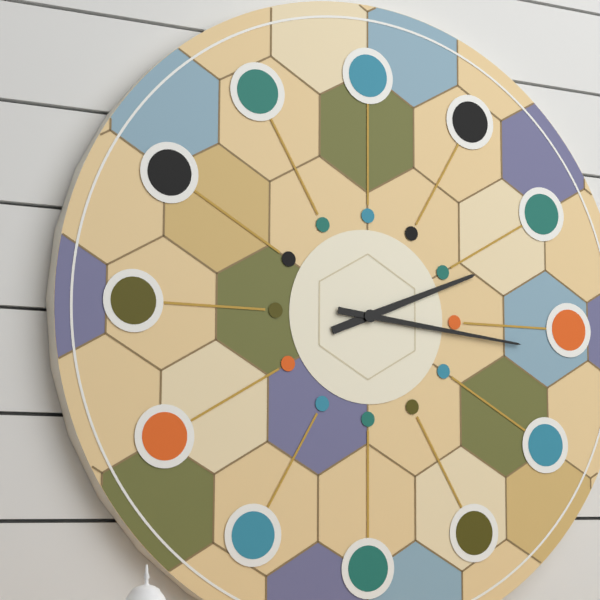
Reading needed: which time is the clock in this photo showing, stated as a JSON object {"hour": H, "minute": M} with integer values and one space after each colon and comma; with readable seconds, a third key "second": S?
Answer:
{"hour": 2, "minute": 16}
